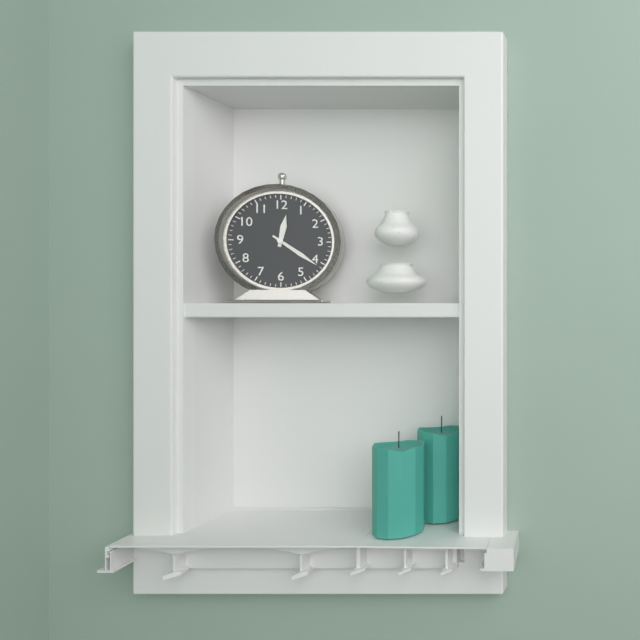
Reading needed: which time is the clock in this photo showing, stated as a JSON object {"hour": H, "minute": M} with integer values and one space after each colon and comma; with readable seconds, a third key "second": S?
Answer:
{"hour": 12, "minute": 21}
